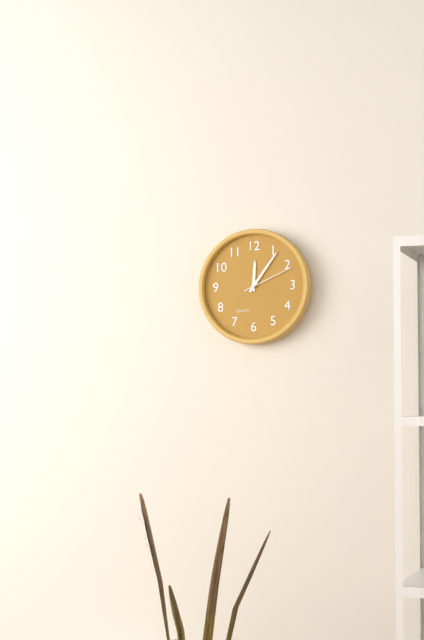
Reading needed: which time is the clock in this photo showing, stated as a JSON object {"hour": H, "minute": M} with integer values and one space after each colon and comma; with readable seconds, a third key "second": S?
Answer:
{"hour": 12, "minute": 6, "second": 11}
